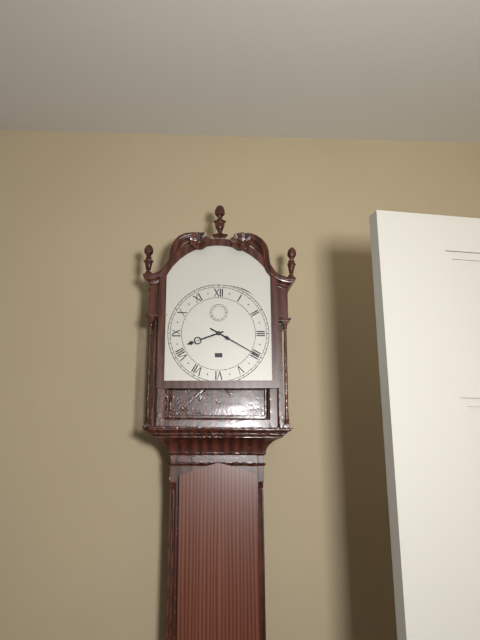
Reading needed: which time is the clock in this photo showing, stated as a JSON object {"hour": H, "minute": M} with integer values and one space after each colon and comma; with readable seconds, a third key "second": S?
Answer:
{"hour": 8, "minute": 20}
